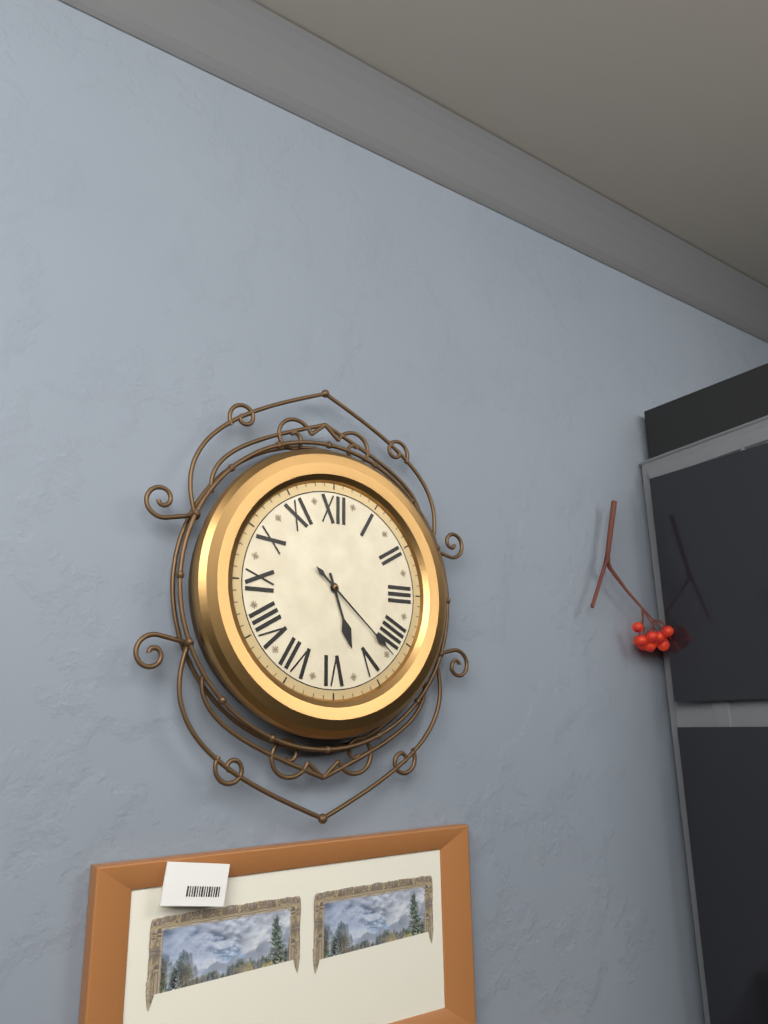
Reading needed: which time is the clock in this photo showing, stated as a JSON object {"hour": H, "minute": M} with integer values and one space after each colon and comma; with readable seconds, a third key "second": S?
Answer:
{"hour": 5, "minute": 22}
